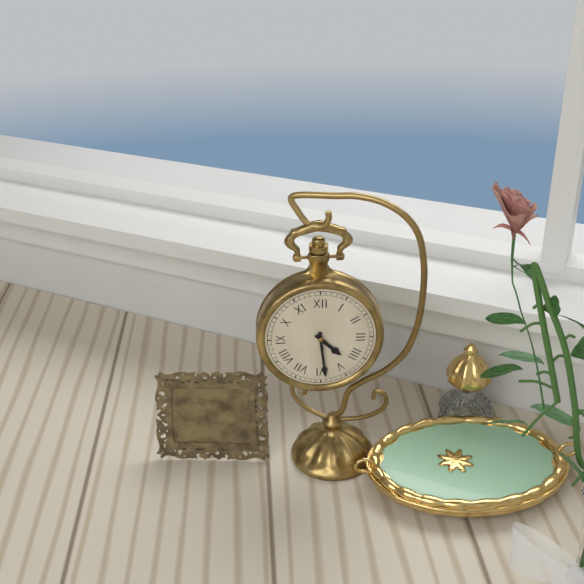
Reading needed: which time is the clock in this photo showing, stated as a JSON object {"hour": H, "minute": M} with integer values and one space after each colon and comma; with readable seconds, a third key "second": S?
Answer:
{"hour": 4, "minute": 29}
